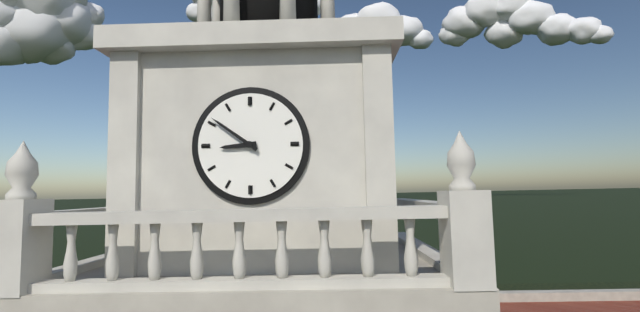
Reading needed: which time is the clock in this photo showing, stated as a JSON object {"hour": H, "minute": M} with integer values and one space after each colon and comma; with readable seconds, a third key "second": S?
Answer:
{"hour": 8, "minute": 51}
